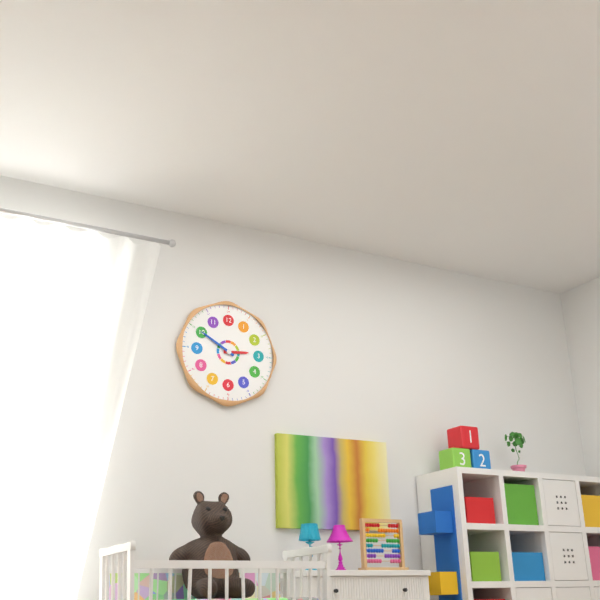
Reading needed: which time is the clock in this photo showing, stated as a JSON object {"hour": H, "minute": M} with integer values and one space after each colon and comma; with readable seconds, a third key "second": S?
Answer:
{"hour": 2, "minute": 50}
